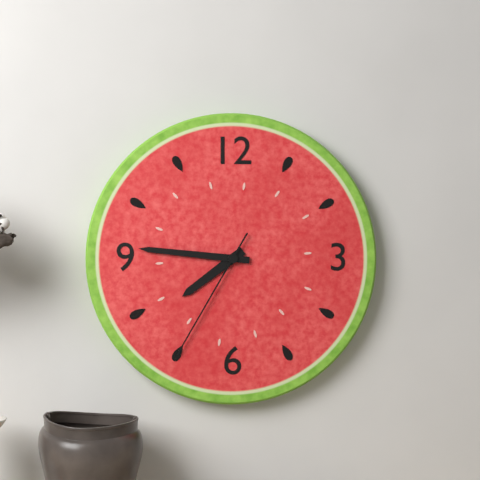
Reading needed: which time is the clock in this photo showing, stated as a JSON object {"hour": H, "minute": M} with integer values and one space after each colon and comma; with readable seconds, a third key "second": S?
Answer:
{"hour": 7, "minute": 46, "second": 35}
